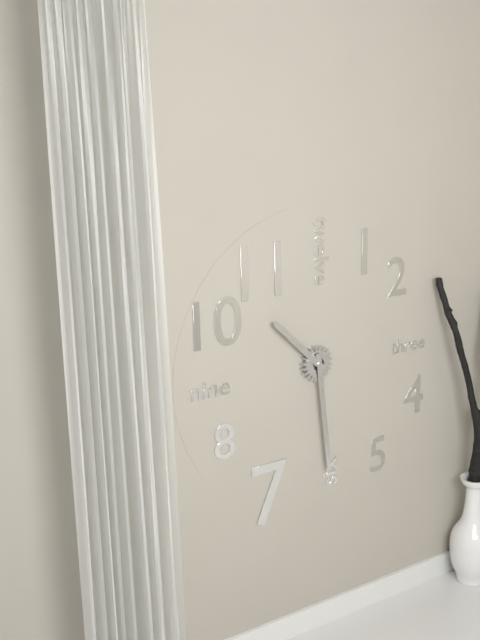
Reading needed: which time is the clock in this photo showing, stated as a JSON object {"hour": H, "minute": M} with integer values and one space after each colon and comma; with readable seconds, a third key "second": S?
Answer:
{"hour": 10, "minute": 29}
